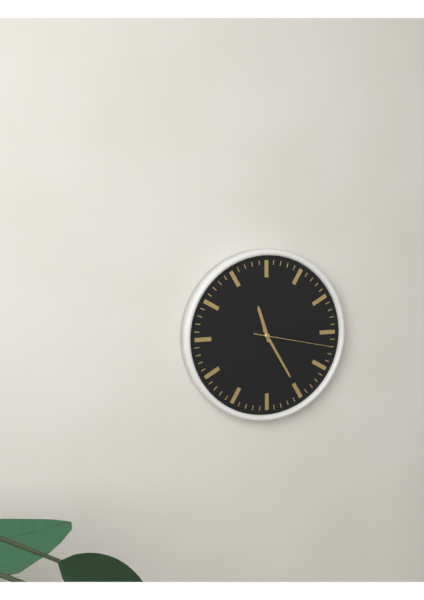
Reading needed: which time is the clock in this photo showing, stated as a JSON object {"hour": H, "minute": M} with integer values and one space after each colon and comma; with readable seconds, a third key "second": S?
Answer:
{"hour": 11, "minute": 25, "second": 17}
